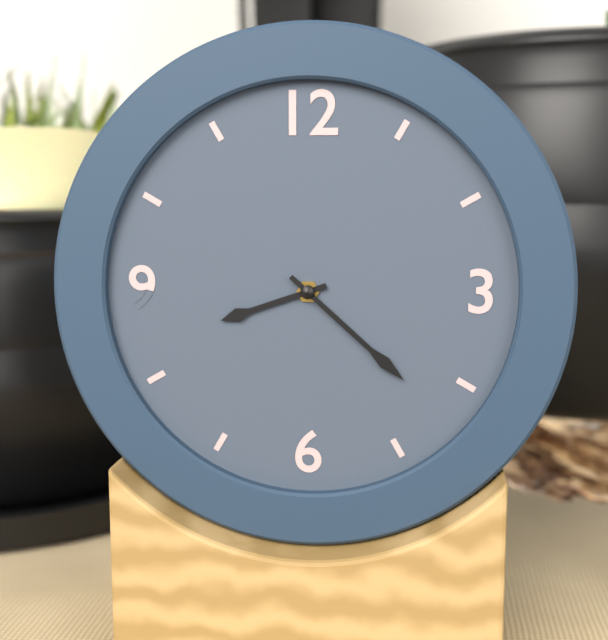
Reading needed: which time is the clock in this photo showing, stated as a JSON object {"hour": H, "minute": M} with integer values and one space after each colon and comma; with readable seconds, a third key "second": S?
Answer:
{"hour": 8, "minute": 22}
